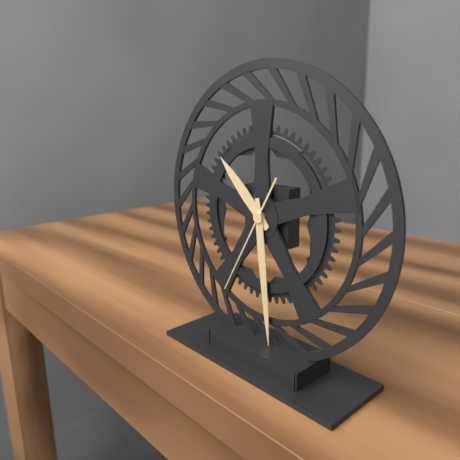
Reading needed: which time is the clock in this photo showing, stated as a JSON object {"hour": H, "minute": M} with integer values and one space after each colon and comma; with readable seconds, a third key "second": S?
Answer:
{"hour": 10, "minute": 29, "second": 35}
